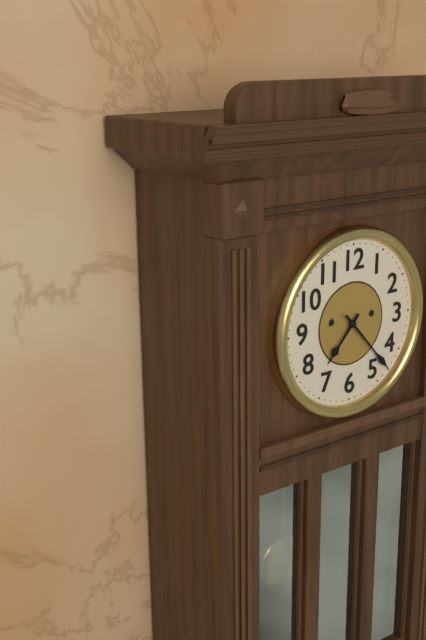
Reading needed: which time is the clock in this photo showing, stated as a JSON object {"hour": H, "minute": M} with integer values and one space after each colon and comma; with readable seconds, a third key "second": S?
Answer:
{"hour": 7, "minute": 23}
